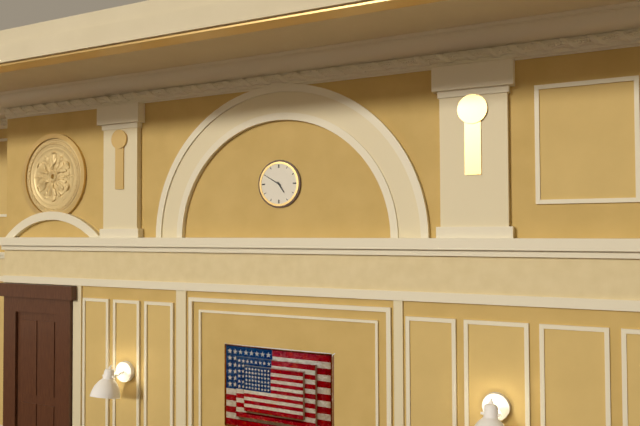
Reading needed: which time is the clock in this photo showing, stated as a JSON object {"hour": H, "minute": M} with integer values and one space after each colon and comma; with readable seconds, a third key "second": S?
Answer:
{"hour": 4, "minute": 50}
